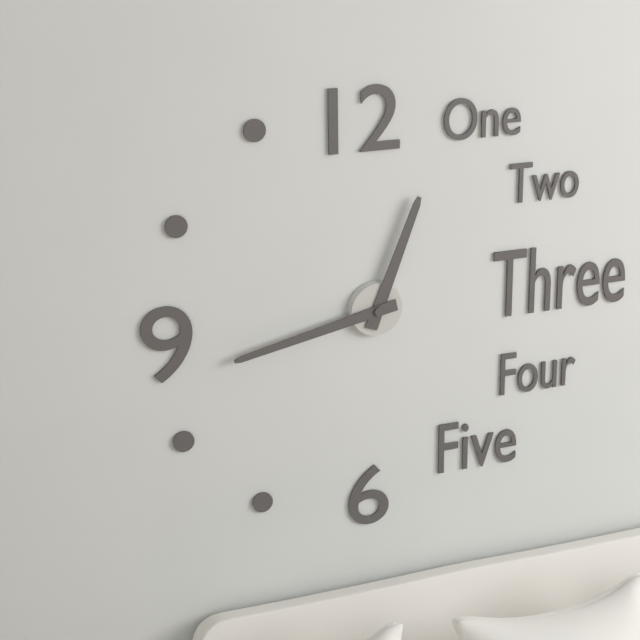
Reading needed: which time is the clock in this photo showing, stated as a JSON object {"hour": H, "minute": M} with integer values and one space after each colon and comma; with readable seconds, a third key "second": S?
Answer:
{"hour": 12, "minute": 43}
